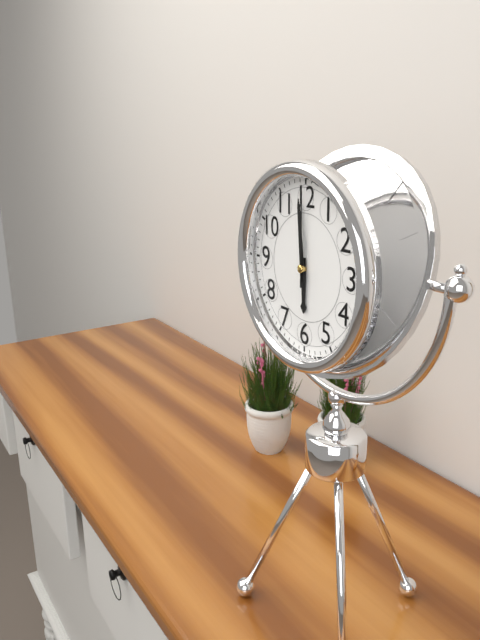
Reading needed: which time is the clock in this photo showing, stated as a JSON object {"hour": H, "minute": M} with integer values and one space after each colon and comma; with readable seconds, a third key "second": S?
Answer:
{"hour": 5, "minute": 59, "second": 0}
